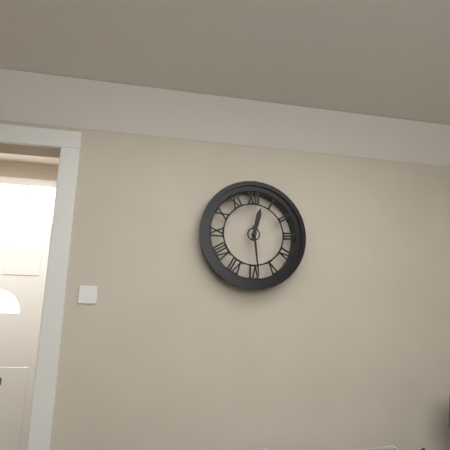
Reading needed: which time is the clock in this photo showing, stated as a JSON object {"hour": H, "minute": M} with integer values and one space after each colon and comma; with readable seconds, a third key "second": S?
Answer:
{"hour": 12, "minute": 29}
